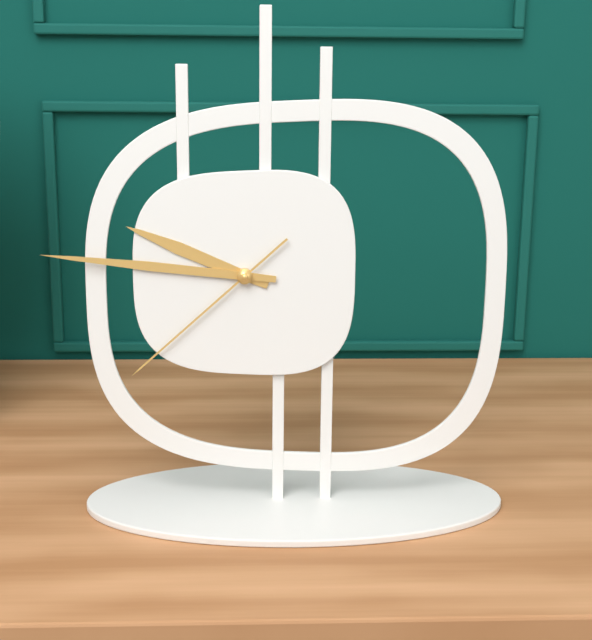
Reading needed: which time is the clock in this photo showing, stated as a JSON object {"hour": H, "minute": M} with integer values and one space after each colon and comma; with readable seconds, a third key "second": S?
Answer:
{"hour": 9, "minute": 46, "second": 38}
